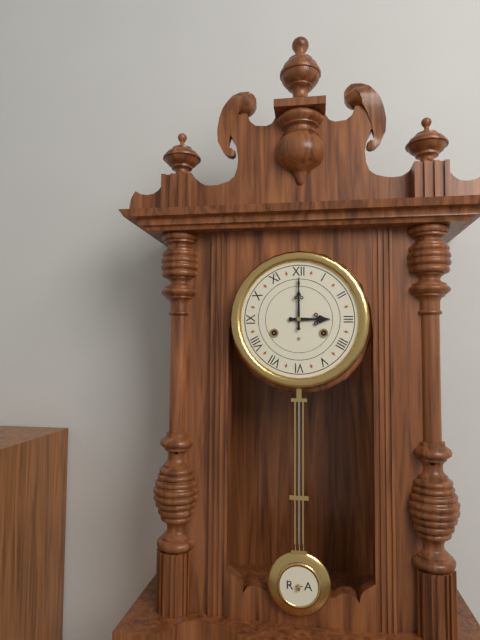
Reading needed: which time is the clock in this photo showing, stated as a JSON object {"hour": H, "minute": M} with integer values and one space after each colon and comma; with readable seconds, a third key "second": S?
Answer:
{"hour": 3, "minute": 0}
